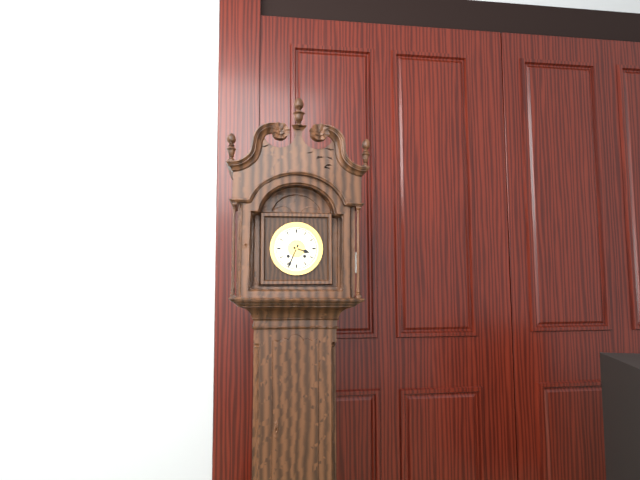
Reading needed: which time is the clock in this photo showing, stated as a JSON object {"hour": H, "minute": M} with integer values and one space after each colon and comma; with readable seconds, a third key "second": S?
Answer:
{"hour": 3, "minute": 34}
